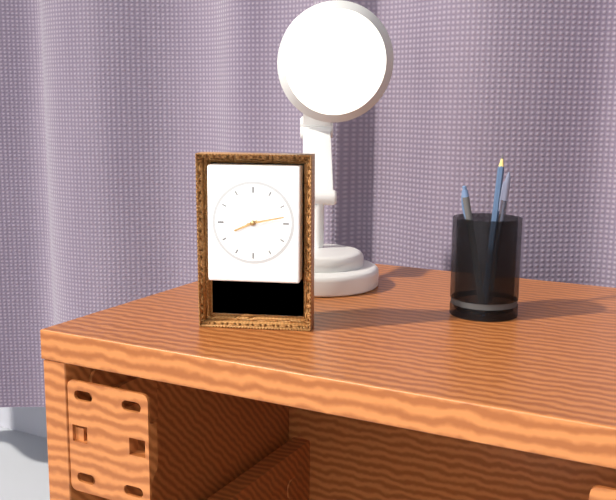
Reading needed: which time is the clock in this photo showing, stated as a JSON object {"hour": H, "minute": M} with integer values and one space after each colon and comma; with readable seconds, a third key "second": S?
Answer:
{"hour": 8, "minute": 13}
